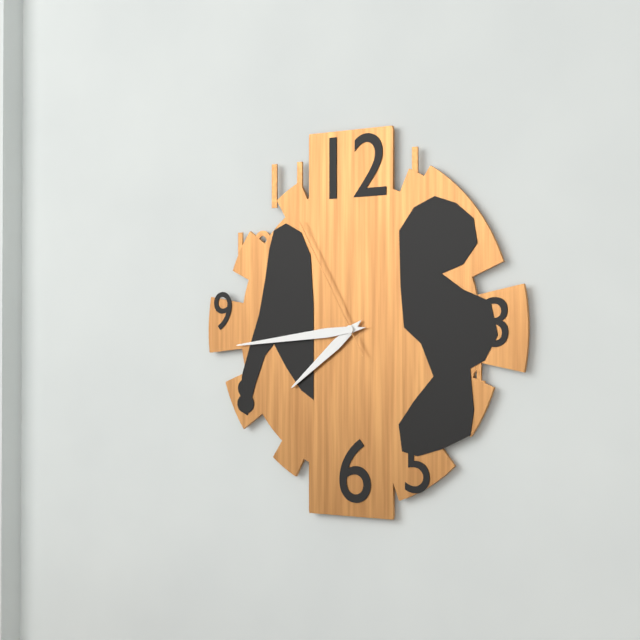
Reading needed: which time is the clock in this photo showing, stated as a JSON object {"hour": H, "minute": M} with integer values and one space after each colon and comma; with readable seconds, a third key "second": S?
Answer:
{"hour": 7, "minute": 44, "second": 55}
